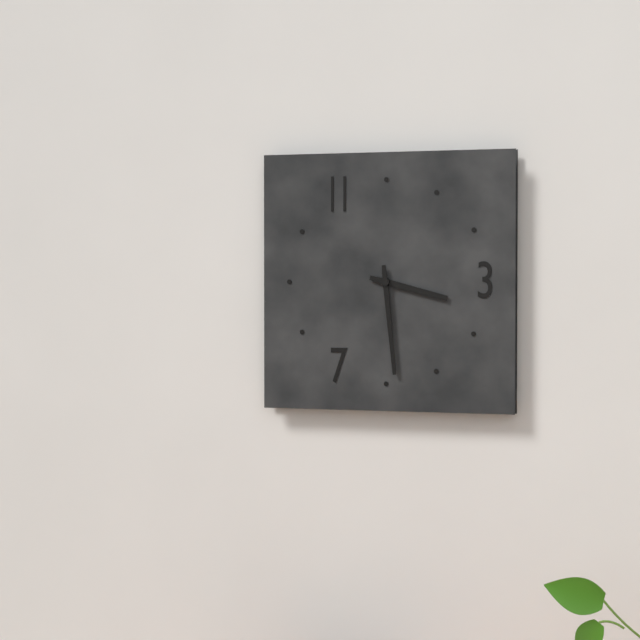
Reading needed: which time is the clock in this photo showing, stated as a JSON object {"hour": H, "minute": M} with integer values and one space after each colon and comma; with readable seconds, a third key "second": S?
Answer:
{"hour": 3, "minute": 29}
